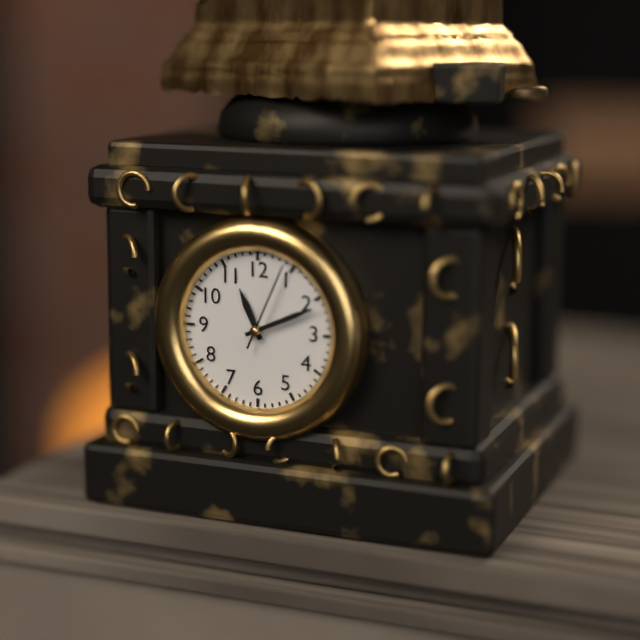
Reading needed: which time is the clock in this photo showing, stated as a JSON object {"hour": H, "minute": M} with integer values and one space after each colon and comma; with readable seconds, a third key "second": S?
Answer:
{"hour": 11, "minute": 11, "second": 4}
